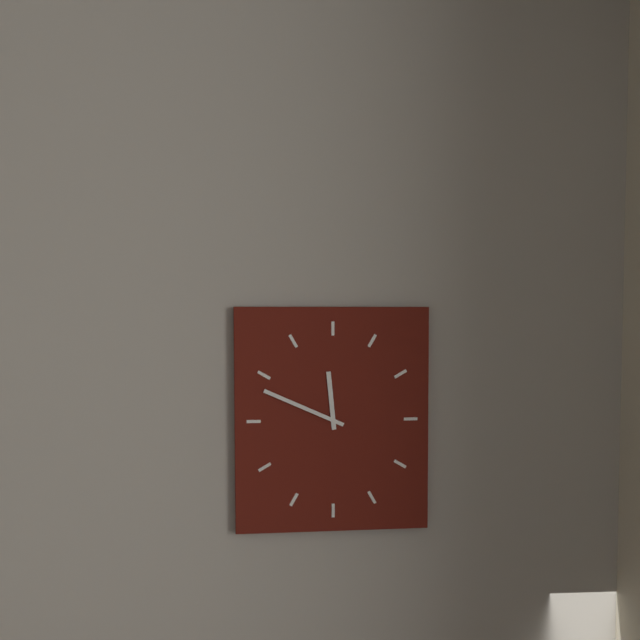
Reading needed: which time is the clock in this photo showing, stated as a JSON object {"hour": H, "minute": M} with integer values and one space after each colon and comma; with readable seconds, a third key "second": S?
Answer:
{"hour": 11, "minute": 49}
